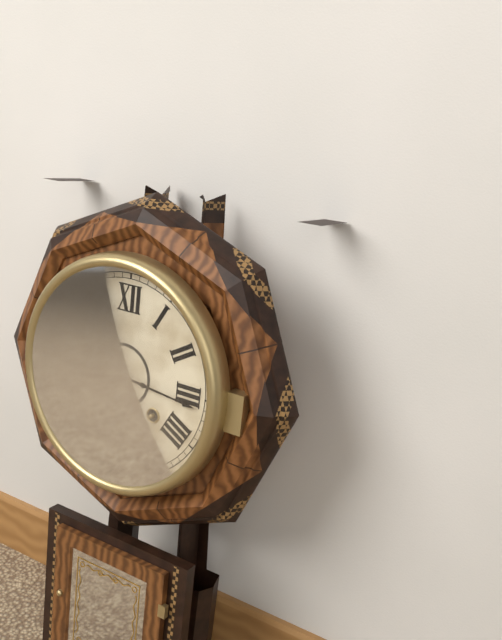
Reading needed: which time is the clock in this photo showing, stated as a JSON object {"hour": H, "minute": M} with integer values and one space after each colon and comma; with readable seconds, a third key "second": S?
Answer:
{"hour": 5, "minute": 16}
